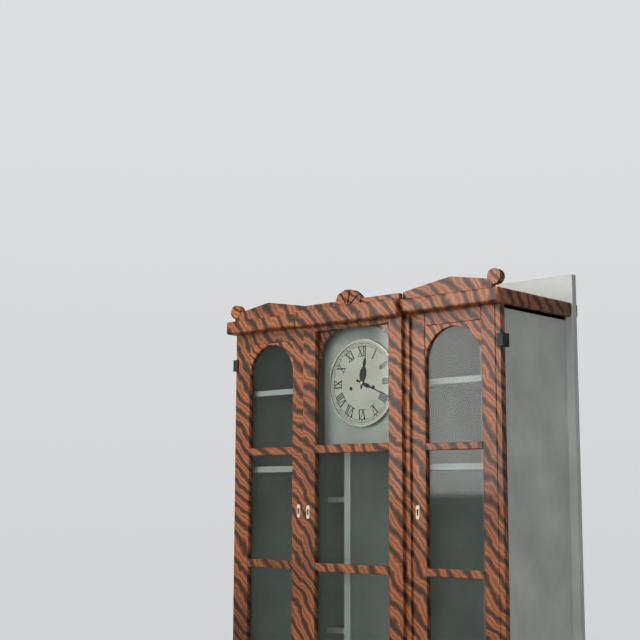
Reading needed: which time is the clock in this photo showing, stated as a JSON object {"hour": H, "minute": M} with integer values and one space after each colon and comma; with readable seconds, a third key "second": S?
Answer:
{"hour": 12, "minute": 19}
